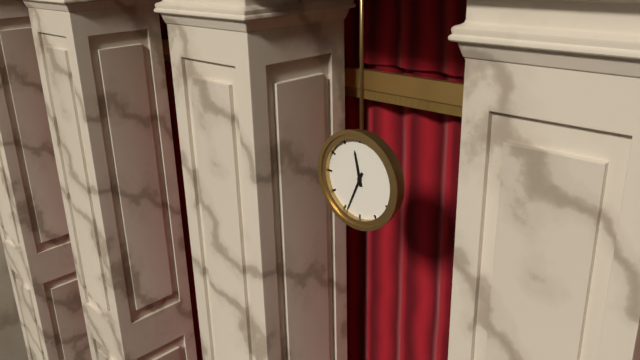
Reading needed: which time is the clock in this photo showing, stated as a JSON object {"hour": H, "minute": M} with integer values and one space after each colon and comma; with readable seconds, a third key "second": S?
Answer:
{"hour": 11, "minute": 34}
